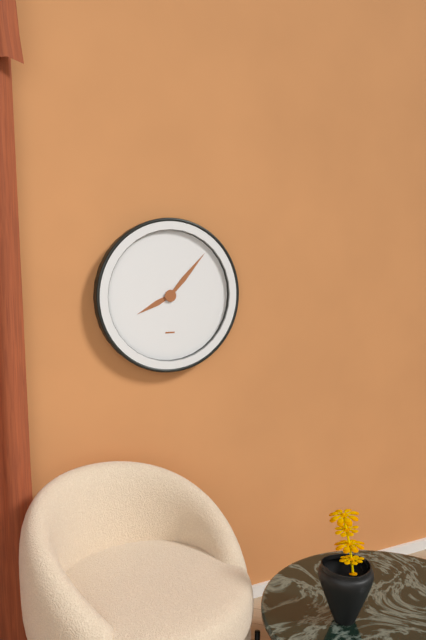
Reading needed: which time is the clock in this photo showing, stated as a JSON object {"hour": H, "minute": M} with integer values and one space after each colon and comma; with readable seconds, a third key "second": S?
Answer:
{"hour": 8, "minute": 7}
